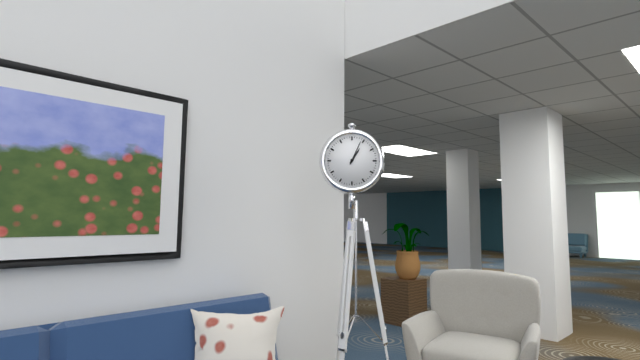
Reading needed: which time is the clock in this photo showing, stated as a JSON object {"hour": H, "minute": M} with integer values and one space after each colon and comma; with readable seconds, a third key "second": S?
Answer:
{"hour": 1, "minute": 4}
